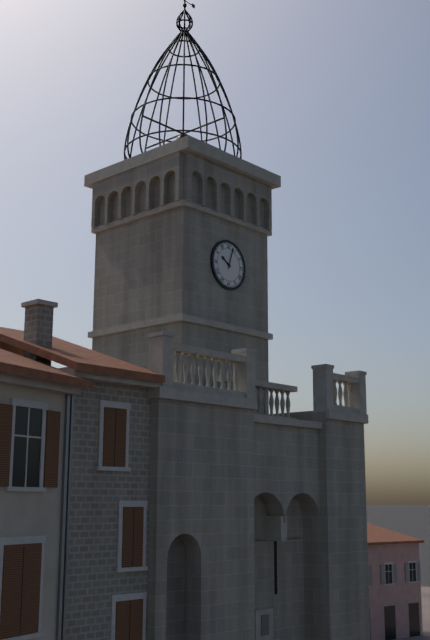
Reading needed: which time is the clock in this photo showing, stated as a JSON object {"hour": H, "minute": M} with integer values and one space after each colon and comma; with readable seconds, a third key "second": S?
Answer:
{"hour": 10, "minute": 3}
